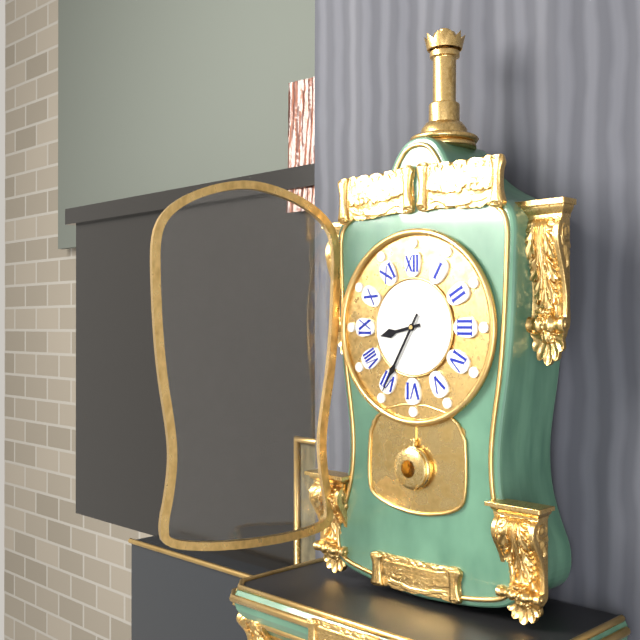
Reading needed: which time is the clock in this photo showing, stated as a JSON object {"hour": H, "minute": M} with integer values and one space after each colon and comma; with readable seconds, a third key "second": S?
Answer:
{"hour": 8, "minute": 35}
